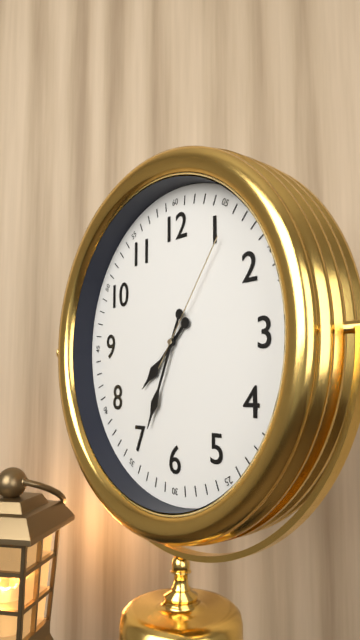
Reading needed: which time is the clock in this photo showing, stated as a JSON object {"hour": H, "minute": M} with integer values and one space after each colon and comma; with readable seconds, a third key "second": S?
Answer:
{"hour": 7, "minute": 34, "second": 6}
